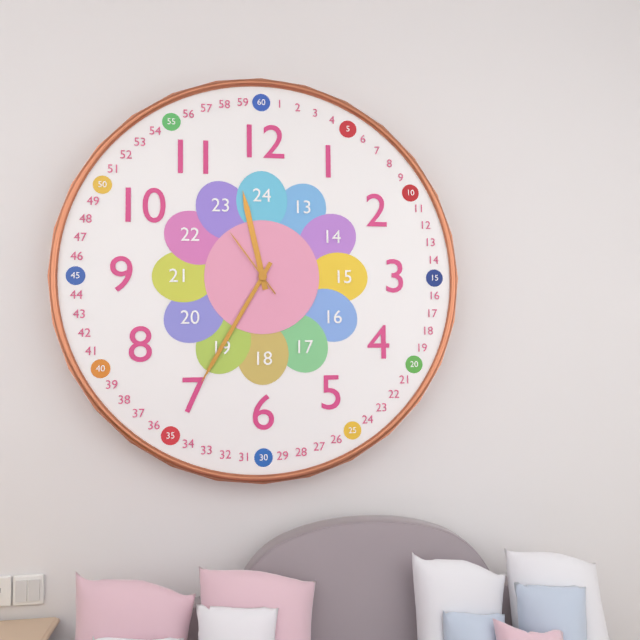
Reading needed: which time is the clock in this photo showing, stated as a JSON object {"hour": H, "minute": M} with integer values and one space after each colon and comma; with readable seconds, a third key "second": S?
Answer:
{"hour": 11, "minute": 35, "second": 54}
